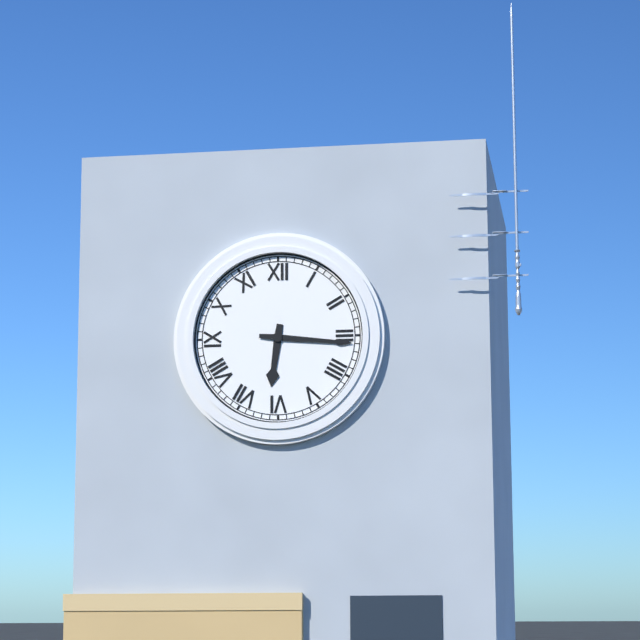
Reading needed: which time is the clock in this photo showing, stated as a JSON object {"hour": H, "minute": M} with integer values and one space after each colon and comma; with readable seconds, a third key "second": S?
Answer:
{"hour": 6, "minute": 16}
